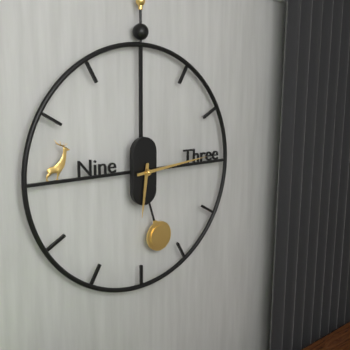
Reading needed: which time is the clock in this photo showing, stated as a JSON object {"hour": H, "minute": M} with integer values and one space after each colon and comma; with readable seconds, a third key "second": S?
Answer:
{"hour": 6, "minute": 14}
